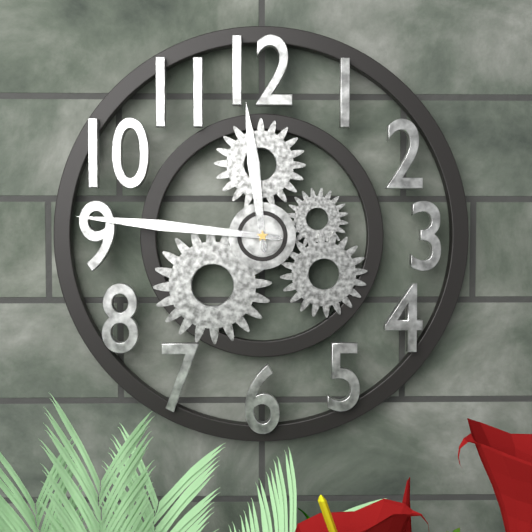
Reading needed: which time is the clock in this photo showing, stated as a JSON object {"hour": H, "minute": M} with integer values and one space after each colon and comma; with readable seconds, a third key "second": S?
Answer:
{"hour": 11, "minute": 46}
